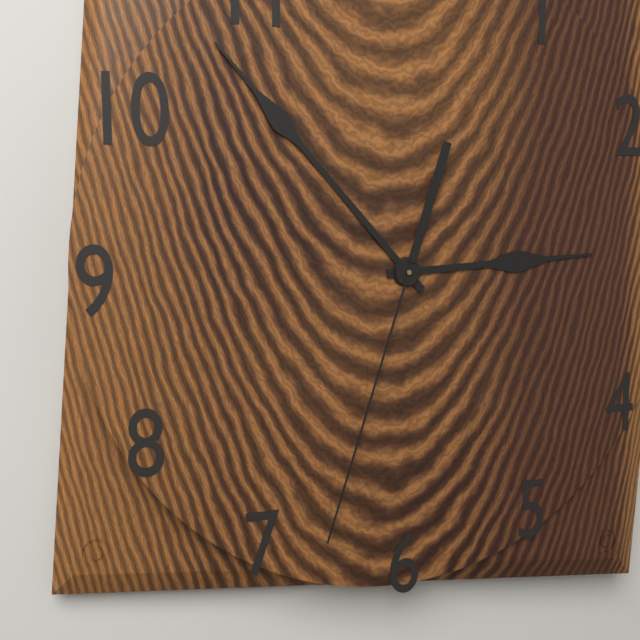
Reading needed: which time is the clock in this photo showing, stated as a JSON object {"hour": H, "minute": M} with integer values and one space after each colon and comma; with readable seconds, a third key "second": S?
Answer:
{"hour": 2, "minute": 53, "second": 33}
